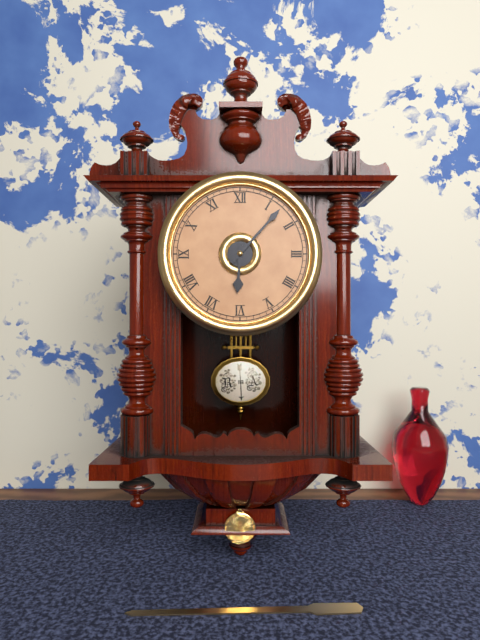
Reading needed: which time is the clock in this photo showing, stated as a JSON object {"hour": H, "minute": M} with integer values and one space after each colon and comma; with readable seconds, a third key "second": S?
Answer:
{"hour": 6, "minute": 7}
